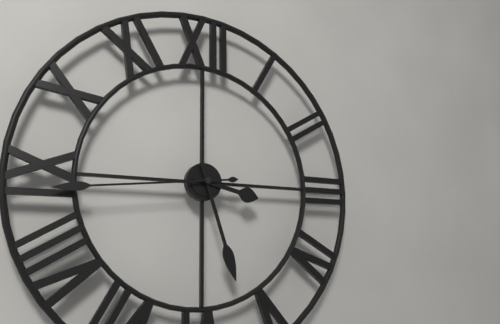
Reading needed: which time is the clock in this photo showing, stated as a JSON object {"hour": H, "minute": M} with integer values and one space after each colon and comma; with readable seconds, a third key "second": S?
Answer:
{"hour": 3, "minute": 27, "second": 44}
